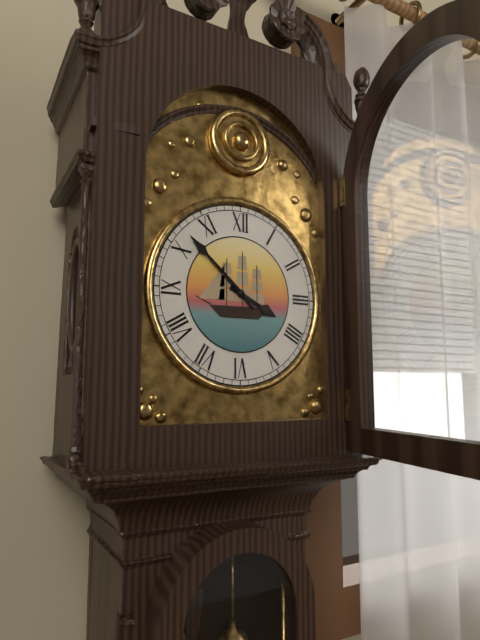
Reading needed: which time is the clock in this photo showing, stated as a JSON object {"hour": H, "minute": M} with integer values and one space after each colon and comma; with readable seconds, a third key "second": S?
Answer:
{"hour": 3, "minute": 52}
